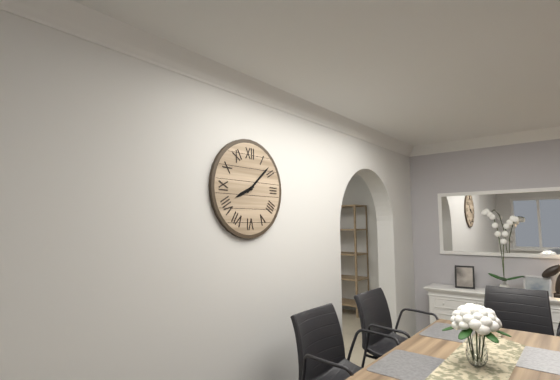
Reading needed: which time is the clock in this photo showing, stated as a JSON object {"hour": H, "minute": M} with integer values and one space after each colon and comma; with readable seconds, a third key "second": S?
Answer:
{"hour": 8, "minute": 8}
